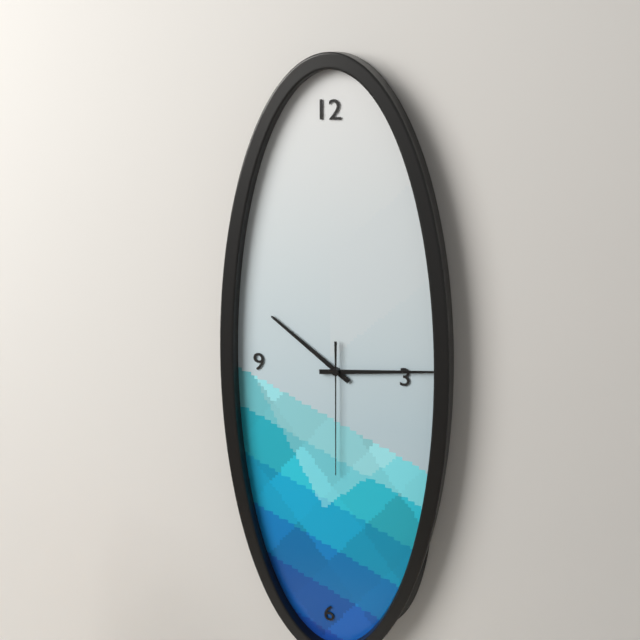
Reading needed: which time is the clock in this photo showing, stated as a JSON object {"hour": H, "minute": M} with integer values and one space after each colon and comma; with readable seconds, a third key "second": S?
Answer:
{"hour": 10, "minute": 14, "second": 30}
